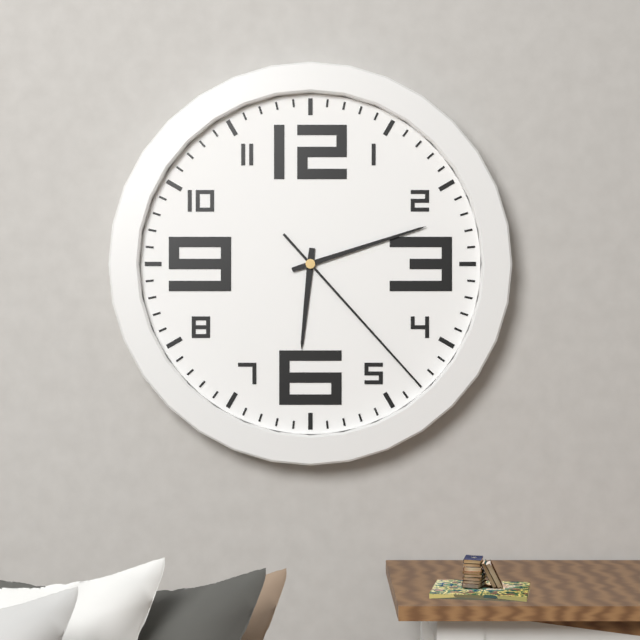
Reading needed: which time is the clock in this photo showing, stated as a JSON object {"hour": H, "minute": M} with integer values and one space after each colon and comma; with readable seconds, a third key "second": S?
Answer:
{"hour": 6, "minute": 12, "second": 23}
